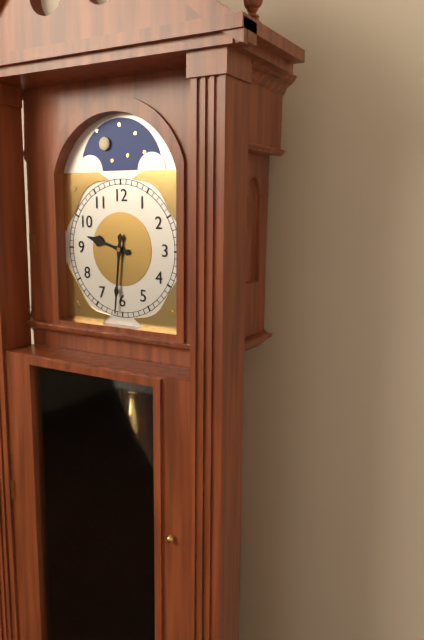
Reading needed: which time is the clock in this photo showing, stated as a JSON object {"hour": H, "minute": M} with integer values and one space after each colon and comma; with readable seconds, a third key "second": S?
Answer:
{"hour": 9, "minute": 31}
